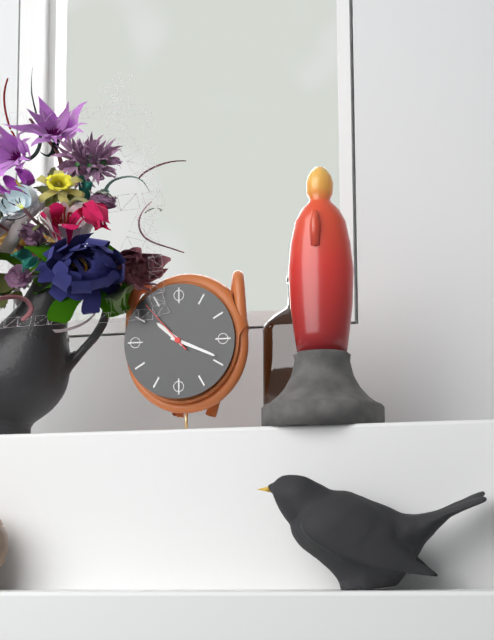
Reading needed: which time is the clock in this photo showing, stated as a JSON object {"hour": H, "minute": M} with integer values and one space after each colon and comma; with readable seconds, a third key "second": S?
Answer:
{"hour": 10, "minute": 19, "second": 53}
